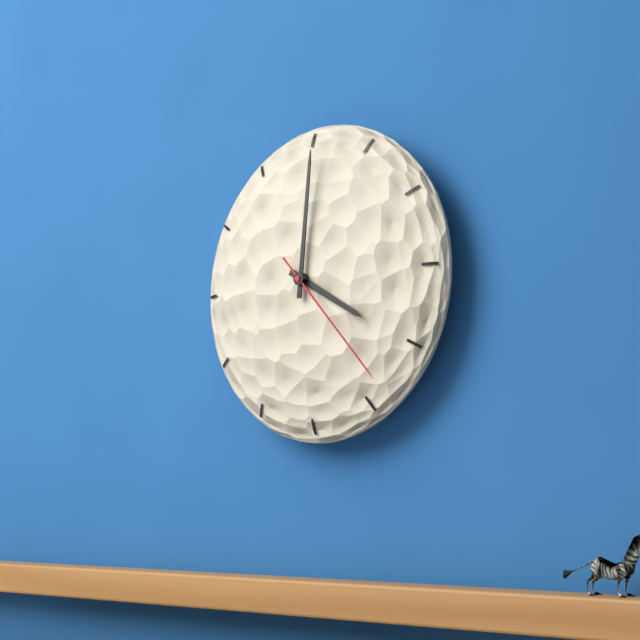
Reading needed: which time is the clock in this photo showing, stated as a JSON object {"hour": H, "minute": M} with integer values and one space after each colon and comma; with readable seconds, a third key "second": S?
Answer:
{"hour": 4, "minute": 1, "second": 23}
